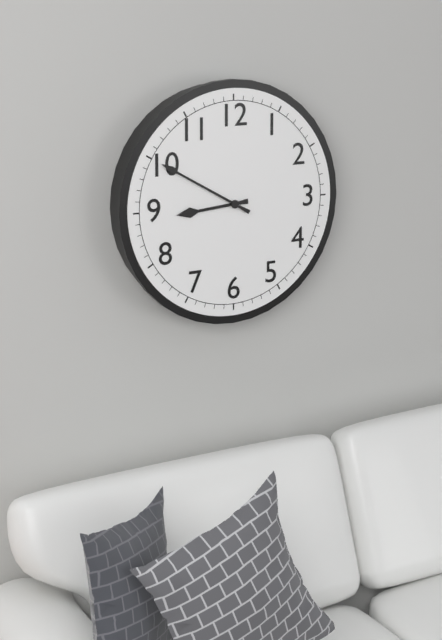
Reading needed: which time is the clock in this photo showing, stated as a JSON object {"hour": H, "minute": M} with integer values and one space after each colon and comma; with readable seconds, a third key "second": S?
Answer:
{"hour": 8, "minute": 50}
